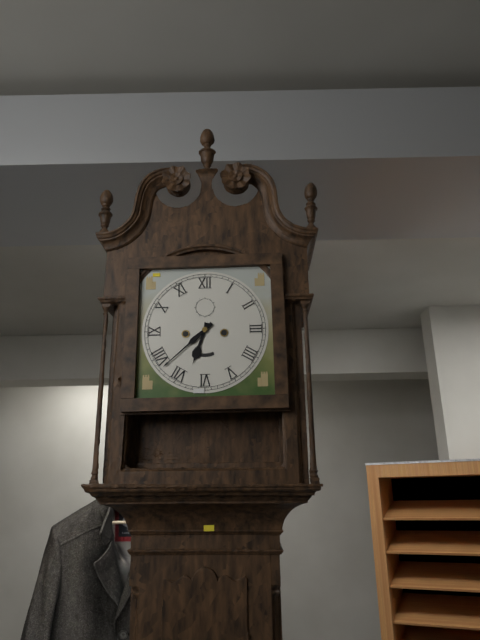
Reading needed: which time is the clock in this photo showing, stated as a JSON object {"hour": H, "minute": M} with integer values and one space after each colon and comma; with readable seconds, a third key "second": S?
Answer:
{"hour": 6, "minute": 38}
